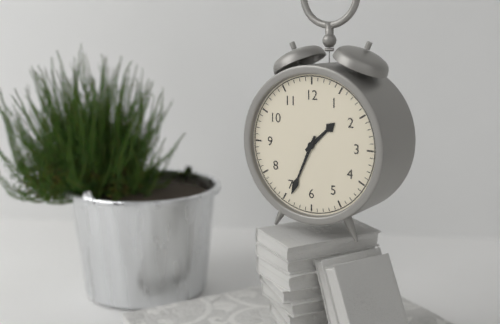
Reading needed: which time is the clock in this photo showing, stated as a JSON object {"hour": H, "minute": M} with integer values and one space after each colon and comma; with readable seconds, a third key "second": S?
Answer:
{"hour": 1, "minute": 34}
